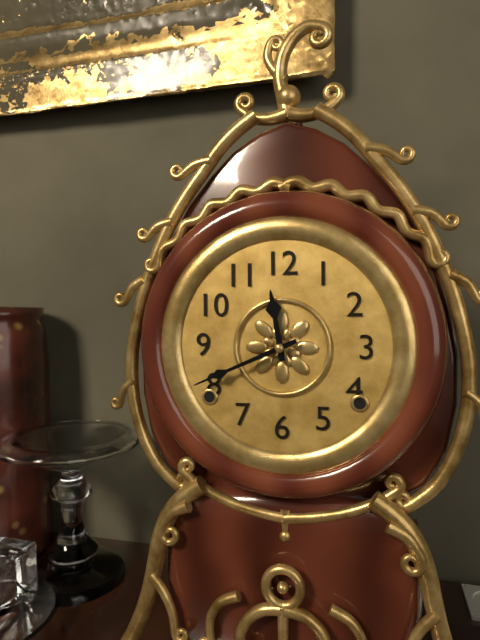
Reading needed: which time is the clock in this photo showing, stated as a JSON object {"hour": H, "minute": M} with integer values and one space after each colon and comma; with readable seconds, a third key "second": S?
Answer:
{"hour": 11, "minute": 41}
